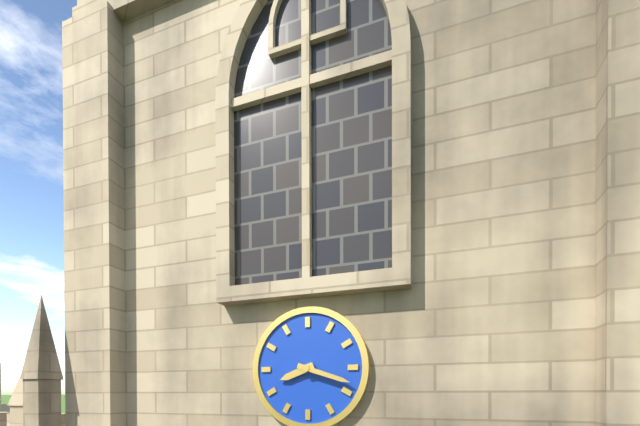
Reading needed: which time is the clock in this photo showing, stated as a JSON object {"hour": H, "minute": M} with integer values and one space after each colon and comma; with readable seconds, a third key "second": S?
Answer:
{"hour": 8, "minute": 18}
